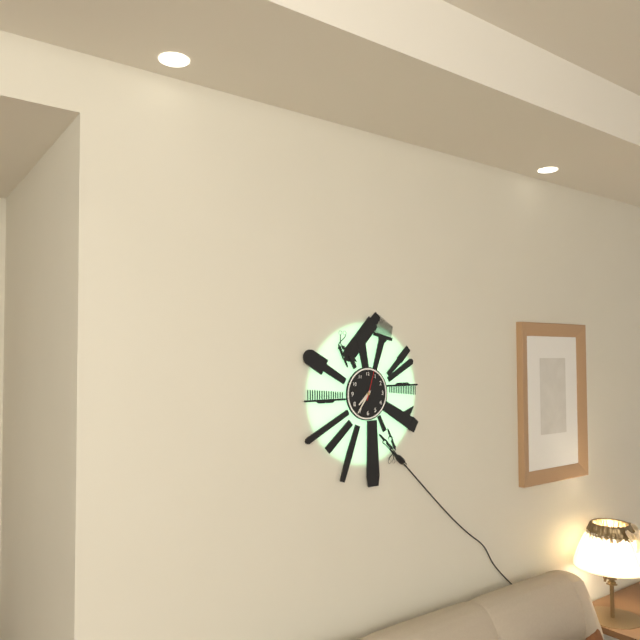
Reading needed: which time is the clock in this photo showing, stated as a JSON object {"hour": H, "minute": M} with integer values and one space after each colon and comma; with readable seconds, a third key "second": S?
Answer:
{"hour": 7, "minute": 36}
